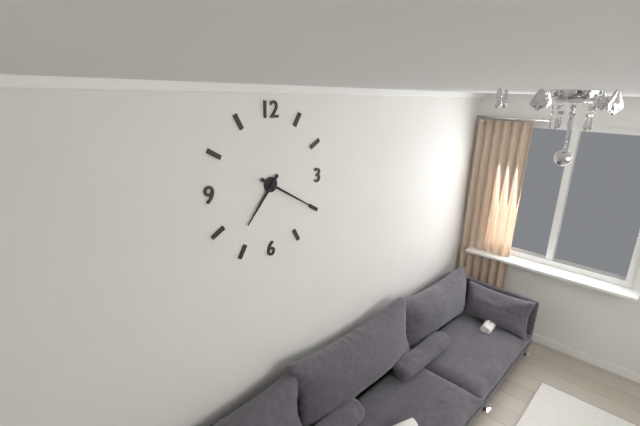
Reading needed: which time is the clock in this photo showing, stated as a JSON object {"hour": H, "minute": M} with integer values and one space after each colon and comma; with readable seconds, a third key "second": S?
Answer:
{"hour": 7, "minute": 20}
